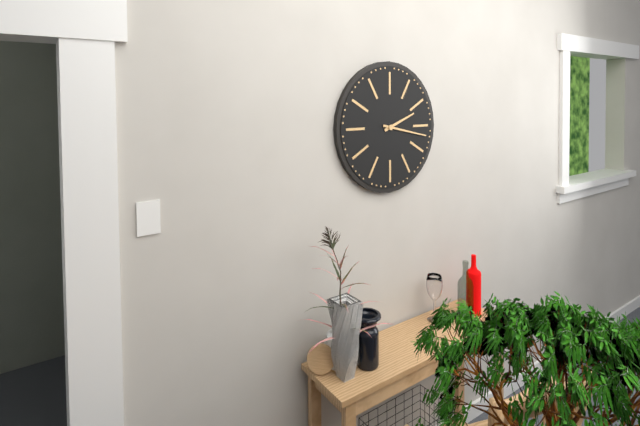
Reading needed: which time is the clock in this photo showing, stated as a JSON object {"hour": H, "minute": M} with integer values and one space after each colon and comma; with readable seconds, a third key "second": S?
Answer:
{"hour": 2, "minute": 17}
